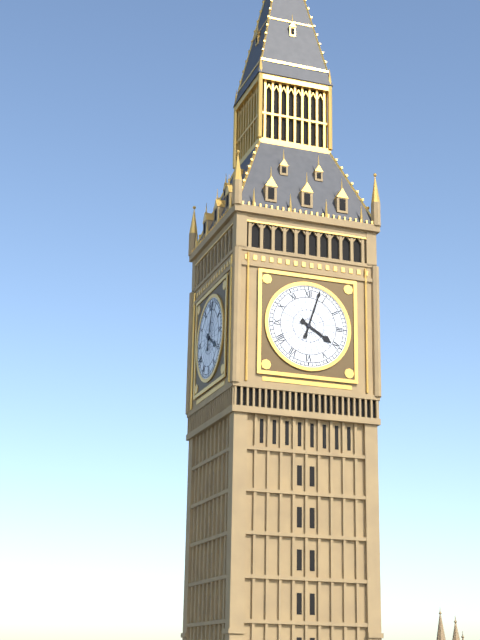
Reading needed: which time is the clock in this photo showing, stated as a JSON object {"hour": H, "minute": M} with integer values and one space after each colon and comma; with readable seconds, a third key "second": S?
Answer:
{"hour": 4, "minute": 3}
